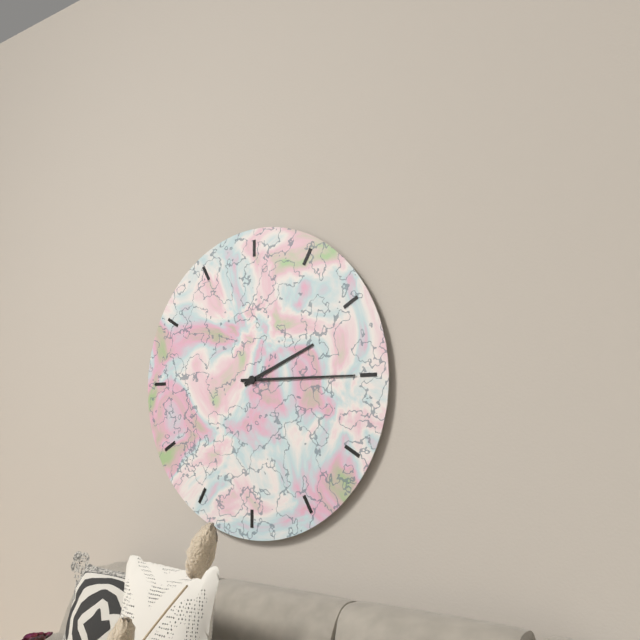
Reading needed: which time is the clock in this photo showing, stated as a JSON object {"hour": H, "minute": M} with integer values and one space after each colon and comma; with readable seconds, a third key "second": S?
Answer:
{"hour": 2, "minute": 15}
